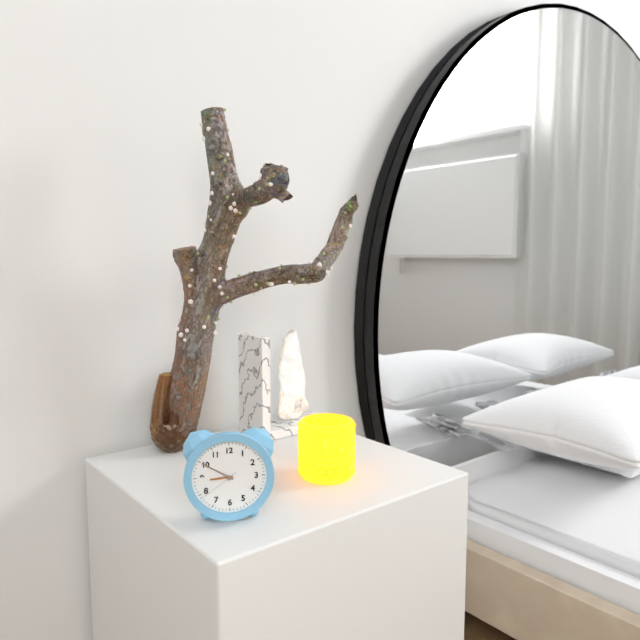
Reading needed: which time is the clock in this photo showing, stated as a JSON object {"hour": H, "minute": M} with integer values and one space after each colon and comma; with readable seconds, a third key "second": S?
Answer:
{"hour": 8, "minute": 50}
